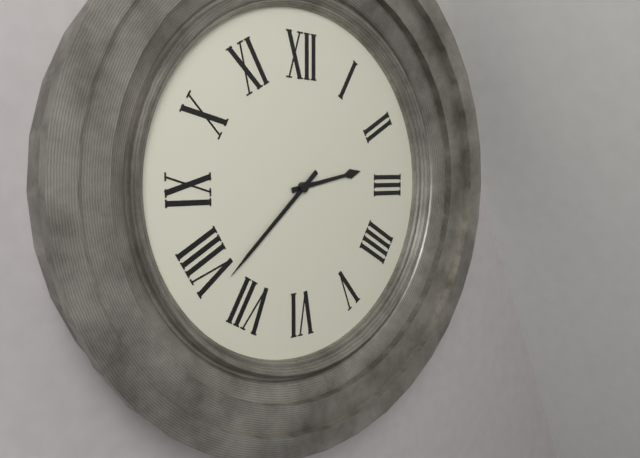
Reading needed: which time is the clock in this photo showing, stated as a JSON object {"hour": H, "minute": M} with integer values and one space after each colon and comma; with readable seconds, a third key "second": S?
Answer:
{"hour": 2, "minute": 38}
